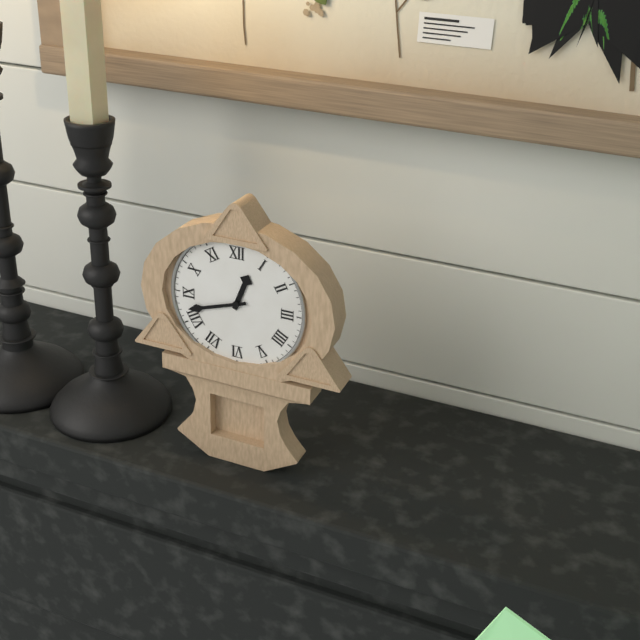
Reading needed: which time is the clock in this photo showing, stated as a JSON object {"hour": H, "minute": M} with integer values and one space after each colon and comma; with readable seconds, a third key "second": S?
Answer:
{"hour": 12, "minute": 42}
